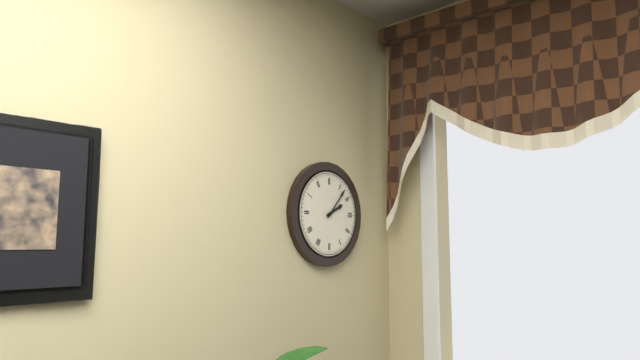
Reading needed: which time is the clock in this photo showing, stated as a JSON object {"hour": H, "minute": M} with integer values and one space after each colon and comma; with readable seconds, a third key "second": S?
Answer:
{"hour": 2, "minute": 7}
